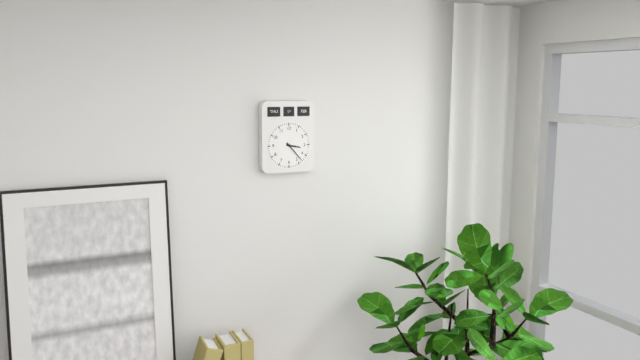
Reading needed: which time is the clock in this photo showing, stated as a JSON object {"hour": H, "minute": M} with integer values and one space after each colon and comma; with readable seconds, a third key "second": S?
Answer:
{"hour": 3, "minute": 23}
